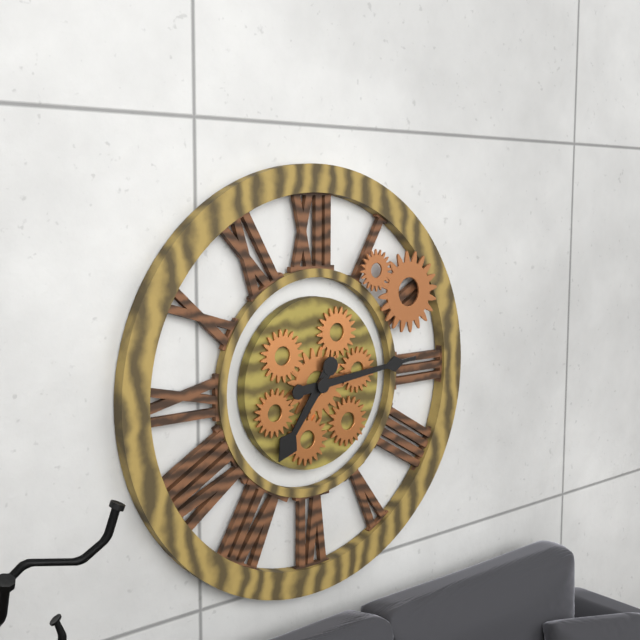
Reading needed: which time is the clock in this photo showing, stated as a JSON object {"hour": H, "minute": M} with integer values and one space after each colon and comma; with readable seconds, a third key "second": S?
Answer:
{"hour": 7, "minute": 14}
